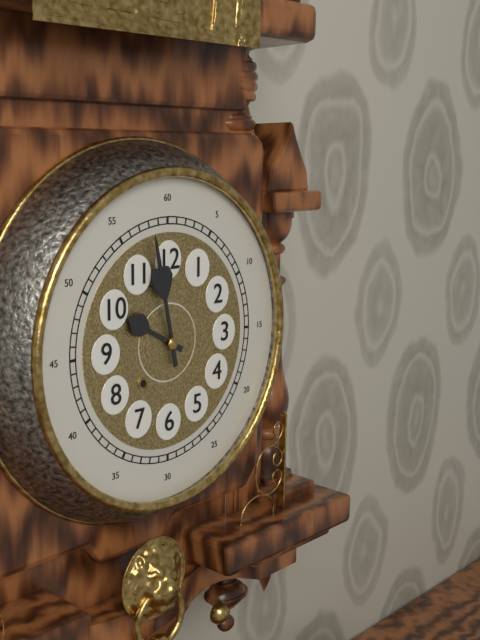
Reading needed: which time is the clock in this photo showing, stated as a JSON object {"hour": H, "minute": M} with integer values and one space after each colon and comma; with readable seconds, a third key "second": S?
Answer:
{"hour": 9, "minute": 58}
